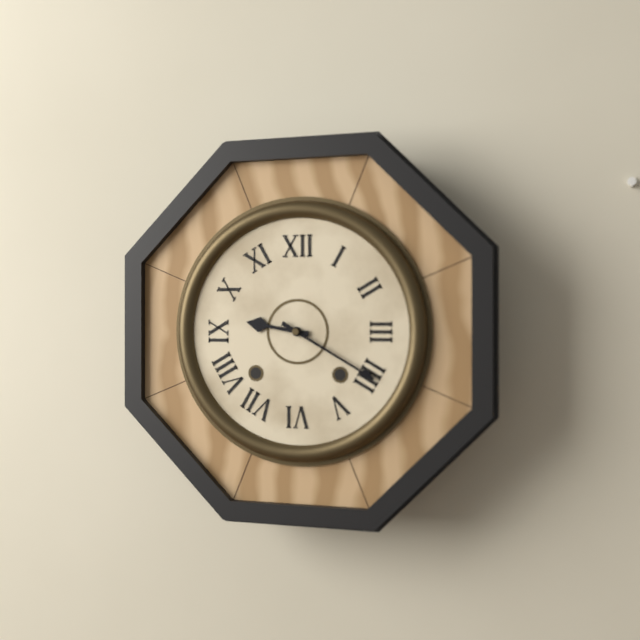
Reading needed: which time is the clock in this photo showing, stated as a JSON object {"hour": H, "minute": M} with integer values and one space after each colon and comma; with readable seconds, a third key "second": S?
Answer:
{"hour": 9, "minute": 20}
